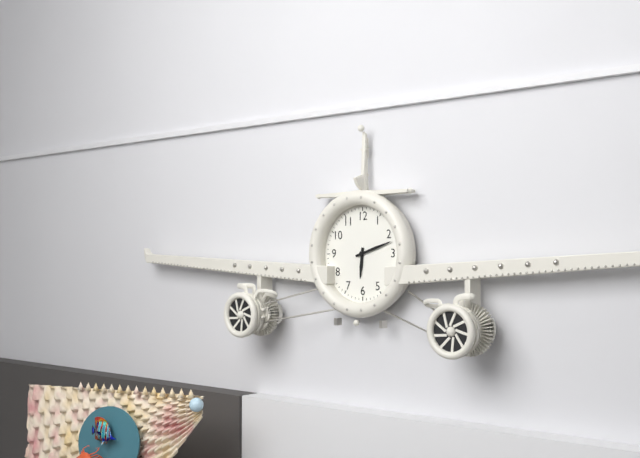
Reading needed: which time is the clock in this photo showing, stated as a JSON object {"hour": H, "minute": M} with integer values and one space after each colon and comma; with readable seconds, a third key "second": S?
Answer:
{"hour": 6, "minute": 12}
